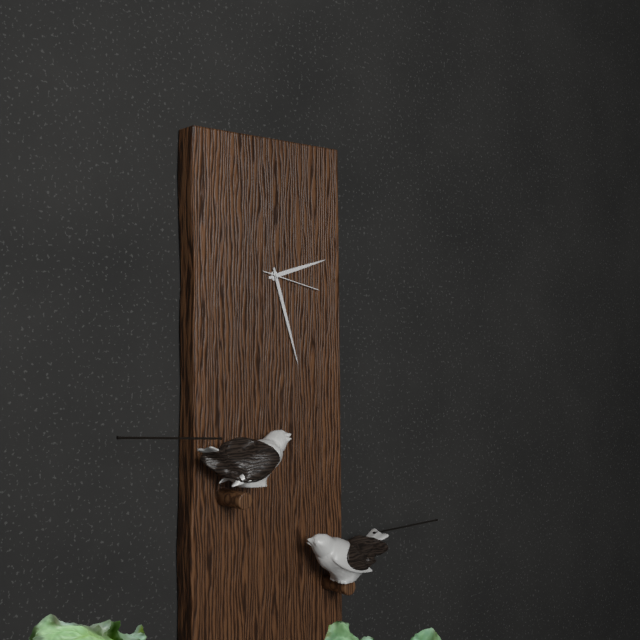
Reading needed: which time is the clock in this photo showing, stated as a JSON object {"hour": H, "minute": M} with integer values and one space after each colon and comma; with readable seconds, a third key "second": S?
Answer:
{"hour": 2, "minute": 27, "second": 17}
